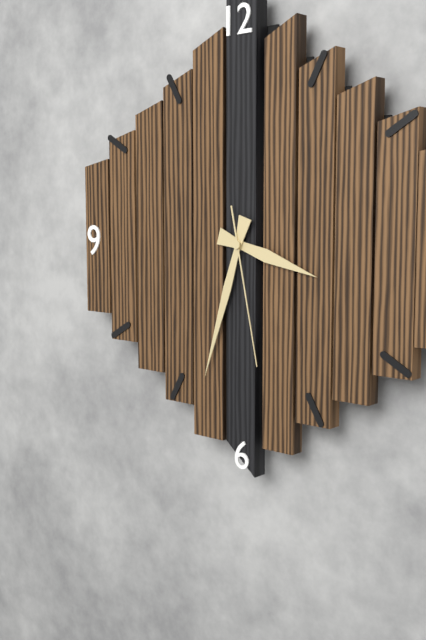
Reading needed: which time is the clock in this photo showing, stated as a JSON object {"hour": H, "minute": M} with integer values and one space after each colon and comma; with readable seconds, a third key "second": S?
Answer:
{"hour": 3, "minute": 33, "second": 28}
